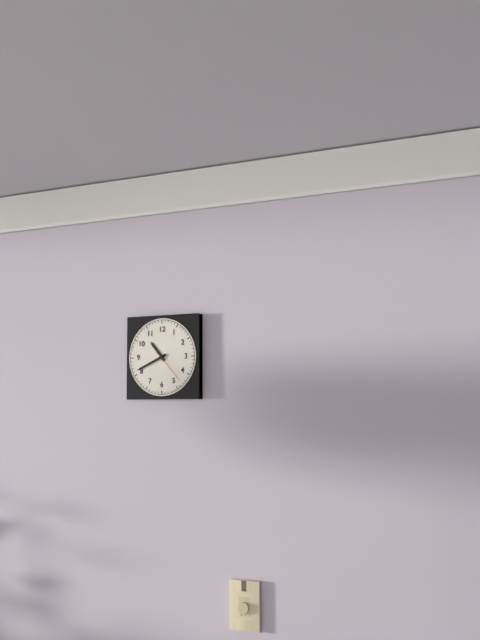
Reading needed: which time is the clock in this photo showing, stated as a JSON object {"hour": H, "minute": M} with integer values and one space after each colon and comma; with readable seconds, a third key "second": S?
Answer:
{"hour": 10, "minute": 41}
